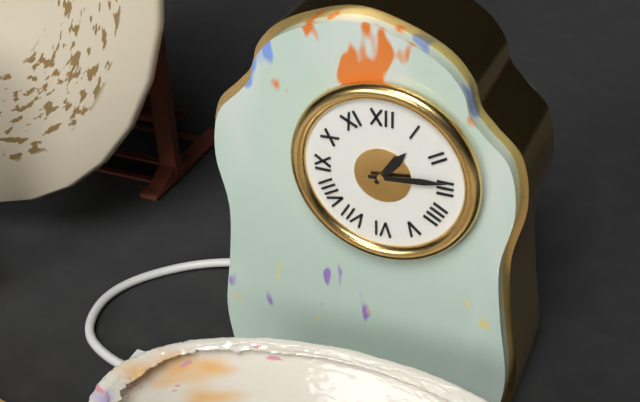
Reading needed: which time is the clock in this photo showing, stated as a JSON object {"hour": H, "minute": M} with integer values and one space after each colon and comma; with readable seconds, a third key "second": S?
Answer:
{"hour": 1, "minute": 14}
